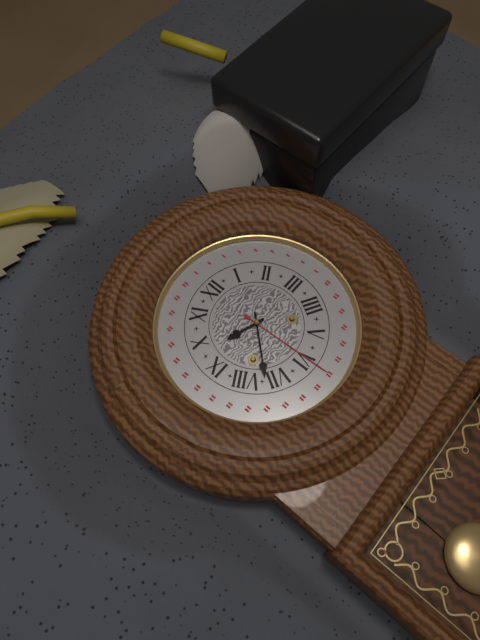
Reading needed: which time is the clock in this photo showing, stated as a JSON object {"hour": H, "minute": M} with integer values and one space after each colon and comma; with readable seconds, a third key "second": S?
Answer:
{"hour": 9, "minute": 37}
